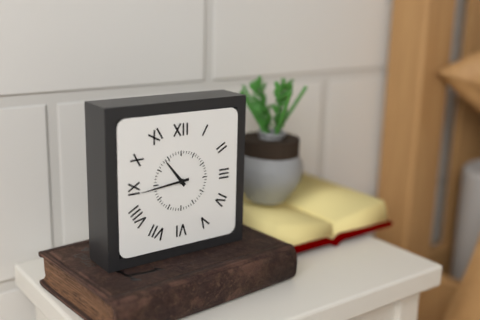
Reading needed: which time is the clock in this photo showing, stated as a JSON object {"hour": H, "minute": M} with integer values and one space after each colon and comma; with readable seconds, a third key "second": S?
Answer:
{"hour": 10, "minute": 44}
